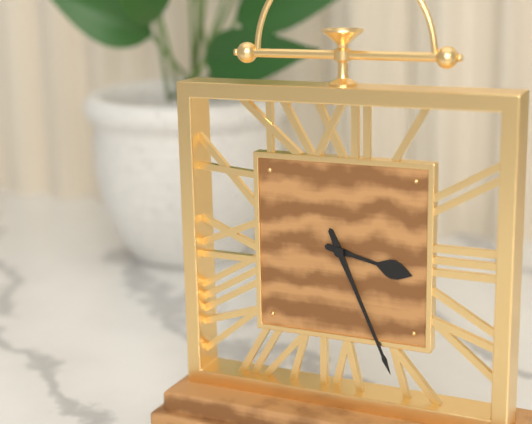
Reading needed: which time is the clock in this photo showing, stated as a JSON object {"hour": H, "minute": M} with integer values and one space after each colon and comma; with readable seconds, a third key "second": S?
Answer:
{"hour": 3, "minute": 26}
